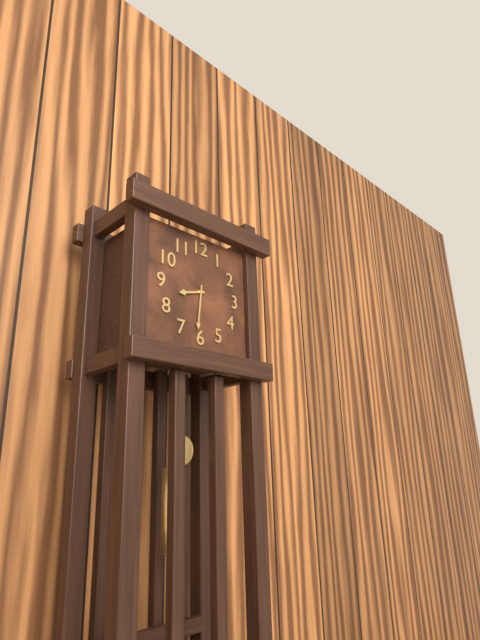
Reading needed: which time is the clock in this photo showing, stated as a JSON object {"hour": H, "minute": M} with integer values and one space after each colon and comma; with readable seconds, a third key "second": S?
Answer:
{"hour": 8, "minute": 31}
